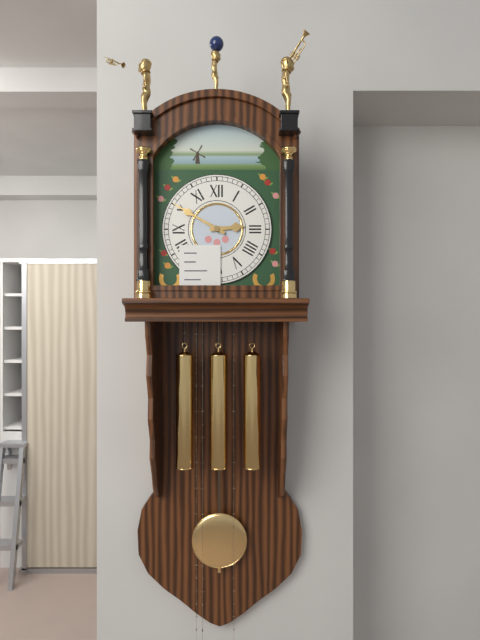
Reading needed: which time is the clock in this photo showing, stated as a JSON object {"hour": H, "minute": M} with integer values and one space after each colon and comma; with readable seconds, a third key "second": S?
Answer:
{"hour": 2, "minute": 50}
